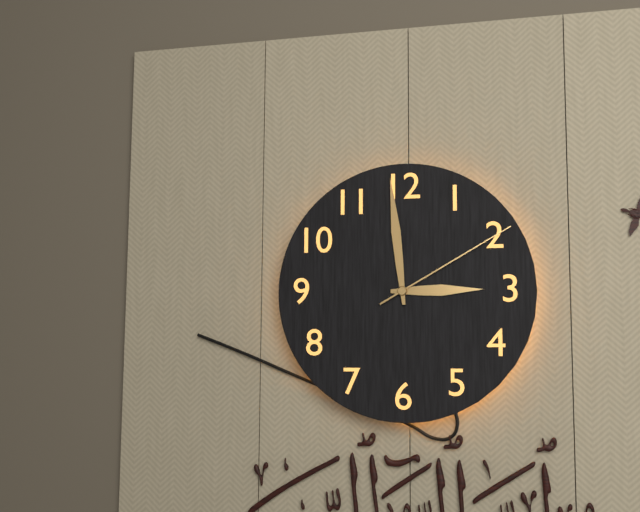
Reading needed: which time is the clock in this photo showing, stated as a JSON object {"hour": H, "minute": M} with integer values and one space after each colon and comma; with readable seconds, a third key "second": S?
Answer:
{"hour": 2, "minute": 59, "second": 10}
